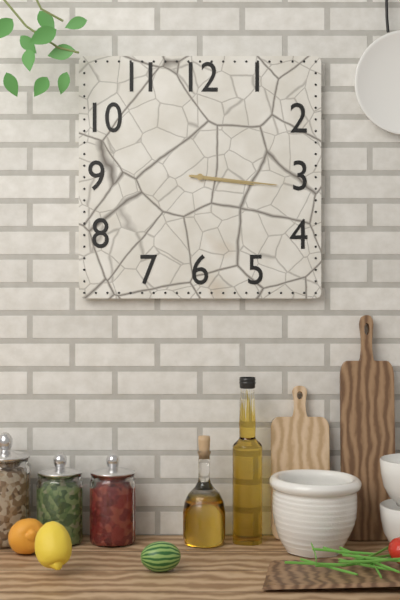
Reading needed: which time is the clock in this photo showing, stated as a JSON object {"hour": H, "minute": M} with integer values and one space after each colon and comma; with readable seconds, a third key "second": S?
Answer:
{"hour": 3, "minute": 16}
